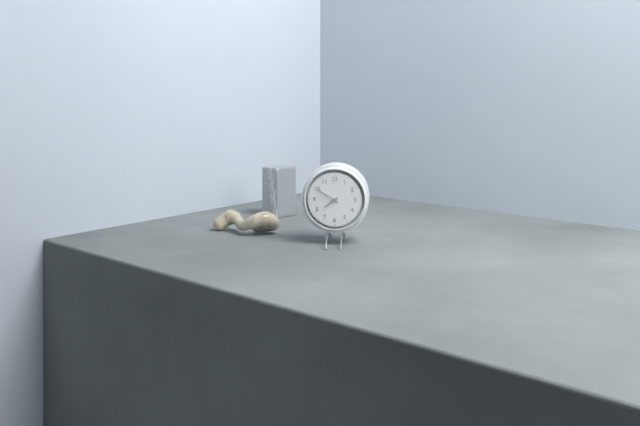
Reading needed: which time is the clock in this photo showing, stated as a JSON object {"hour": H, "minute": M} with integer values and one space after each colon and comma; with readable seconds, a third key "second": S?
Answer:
{"hour": 7, "minute": 50}
